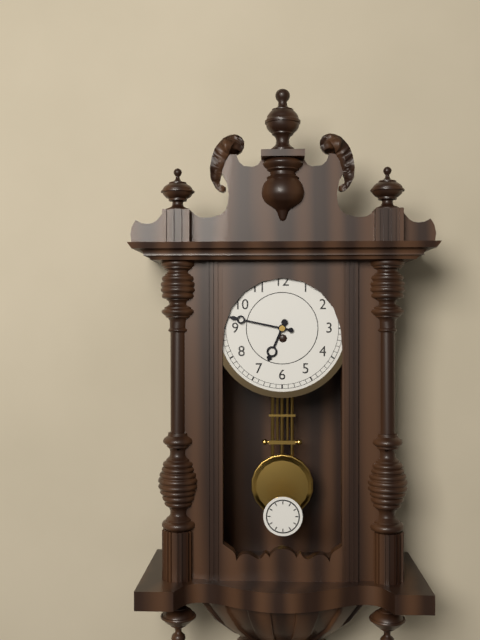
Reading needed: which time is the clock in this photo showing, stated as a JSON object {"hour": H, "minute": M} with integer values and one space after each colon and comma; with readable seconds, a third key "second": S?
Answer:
{"hour": 6, "minute": 47}
